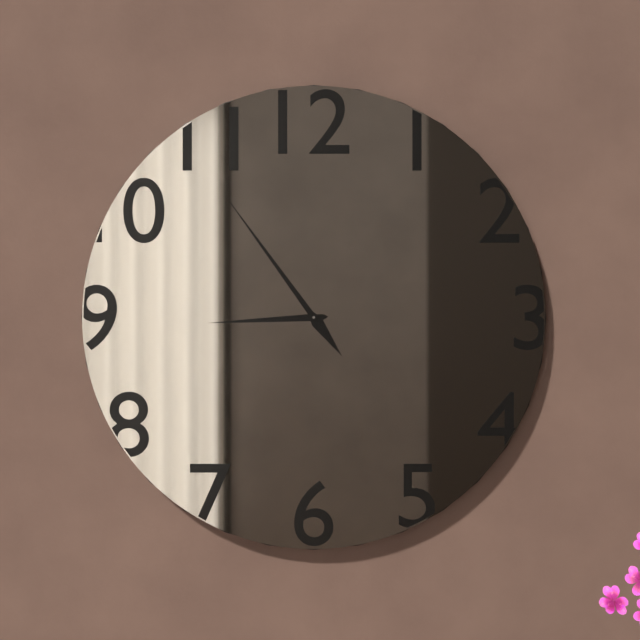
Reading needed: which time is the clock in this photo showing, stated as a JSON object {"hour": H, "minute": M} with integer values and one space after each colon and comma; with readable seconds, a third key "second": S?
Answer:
{"hour": 8, "minute": 54}
